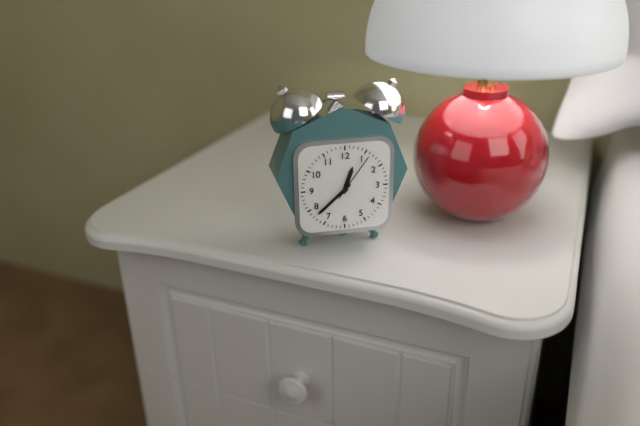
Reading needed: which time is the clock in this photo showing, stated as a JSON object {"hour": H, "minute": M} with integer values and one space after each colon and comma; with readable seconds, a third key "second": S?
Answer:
{"hour": 12, "minute": 38, "second": 6}
